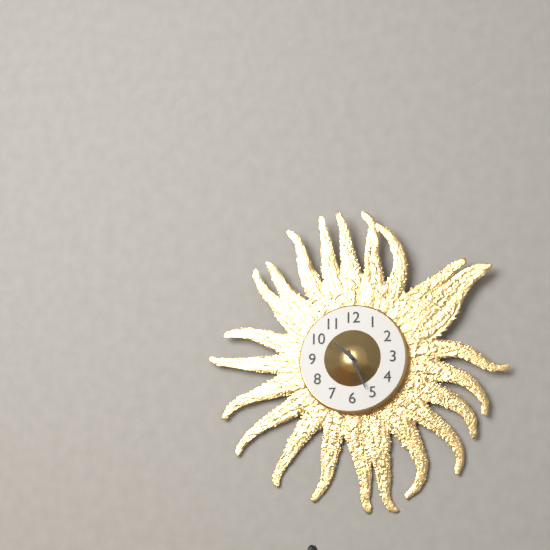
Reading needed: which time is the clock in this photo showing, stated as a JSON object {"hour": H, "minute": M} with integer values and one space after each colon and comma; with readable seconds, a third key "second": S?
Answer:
{"hour": 10, "minute": 26}
